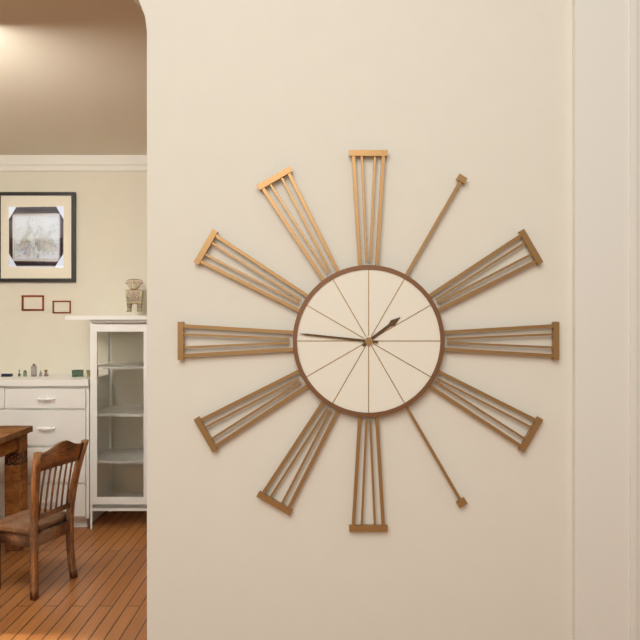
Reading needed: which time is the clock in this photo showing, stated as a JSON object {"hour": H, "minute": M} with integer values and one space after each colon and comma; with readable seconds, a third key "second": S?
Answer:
{"hour": 1, "minute": 46}
